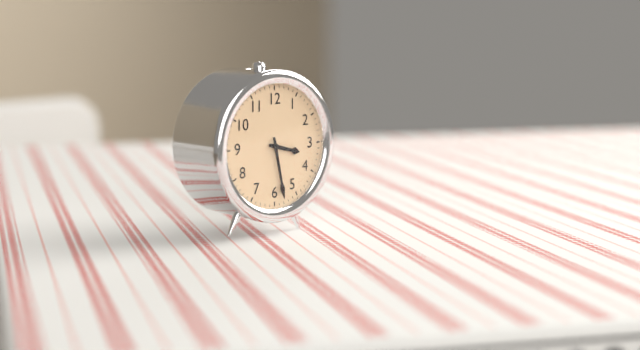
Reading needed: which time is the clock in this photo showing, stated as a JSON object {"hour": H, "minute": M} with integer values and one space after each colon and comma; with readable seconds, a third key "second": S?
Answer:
{"hour": 3, "minute": 28}
